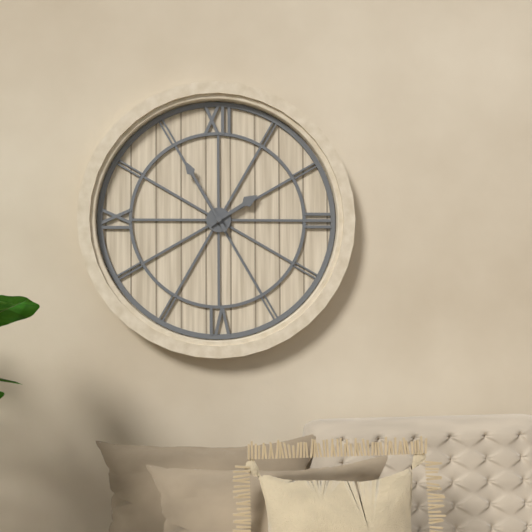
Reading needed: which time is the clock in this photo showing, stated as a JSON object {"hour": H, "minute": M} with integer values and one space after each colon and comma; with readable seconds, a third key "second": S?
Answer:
{"hour": 1, "minute": 55}
